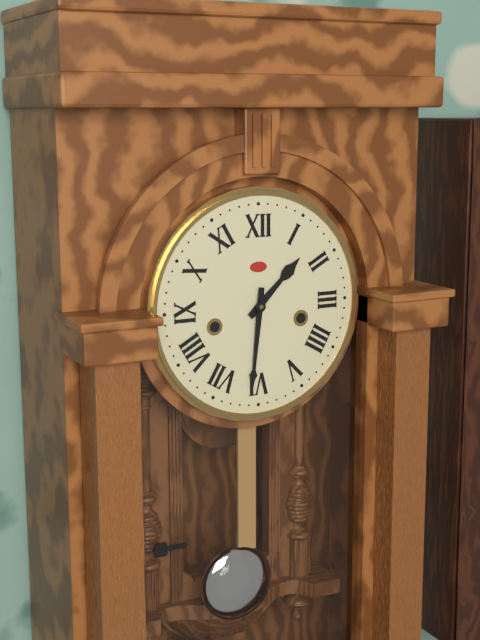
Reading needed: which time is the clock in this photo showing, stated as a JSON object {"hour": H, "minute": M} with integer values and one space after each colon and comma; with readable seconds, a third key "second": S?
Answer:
{"hour": 1, "minute": 31}
